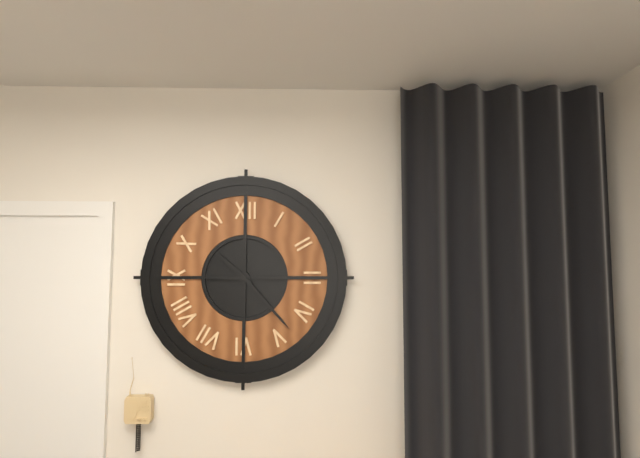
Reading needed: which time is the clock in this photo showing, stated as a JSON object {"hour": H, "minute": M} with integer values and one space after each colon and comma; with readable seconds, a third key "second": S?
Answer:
{"hour": 10, "minute": 23}
